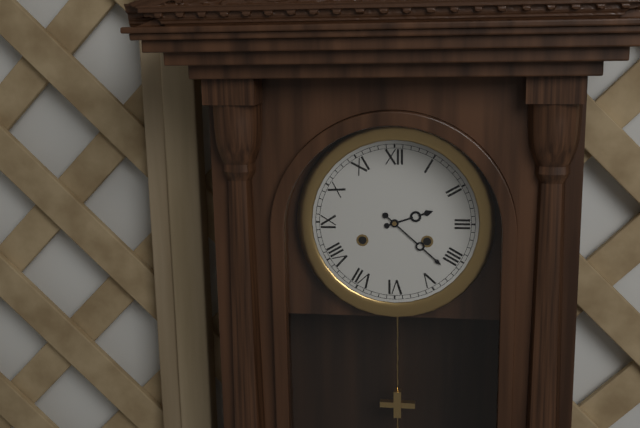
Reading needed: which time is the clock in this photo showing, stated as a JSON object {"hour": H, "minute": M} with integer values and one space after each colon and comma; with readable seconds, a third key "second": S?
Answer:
{"hour": 2, "minute": 22}
